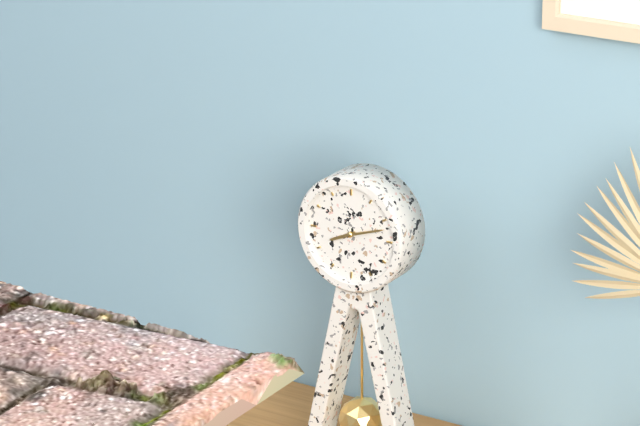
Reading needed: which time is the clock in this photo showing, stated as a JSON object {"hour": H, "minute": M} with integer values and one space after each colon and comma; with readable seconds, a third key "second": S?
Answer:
{"hour": 8, "minute": 12}
